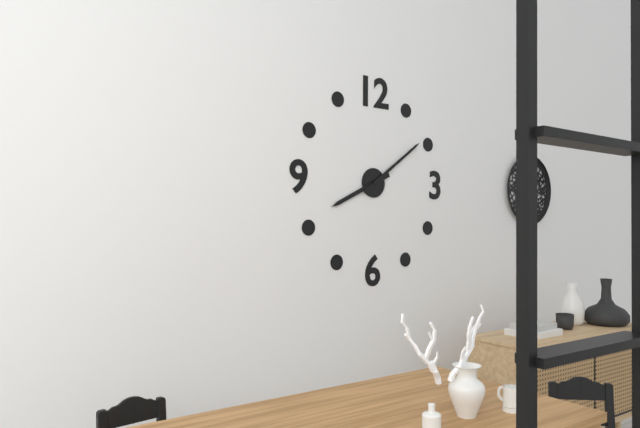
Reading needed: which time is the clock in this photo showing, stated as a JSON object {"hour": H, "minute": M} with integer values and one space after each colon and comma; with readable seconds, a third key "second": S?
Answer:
{"hour": 8, "minute": 9}
